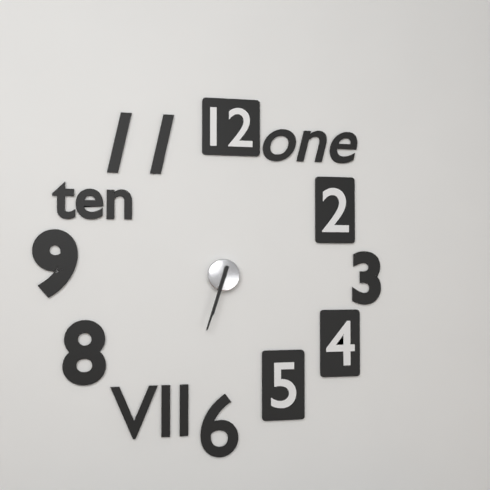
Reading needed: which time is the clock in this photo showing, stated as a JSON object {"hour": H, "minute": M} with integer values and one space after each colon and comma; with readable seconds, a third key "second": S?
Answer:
{"hour": 6, "minute": 33}
